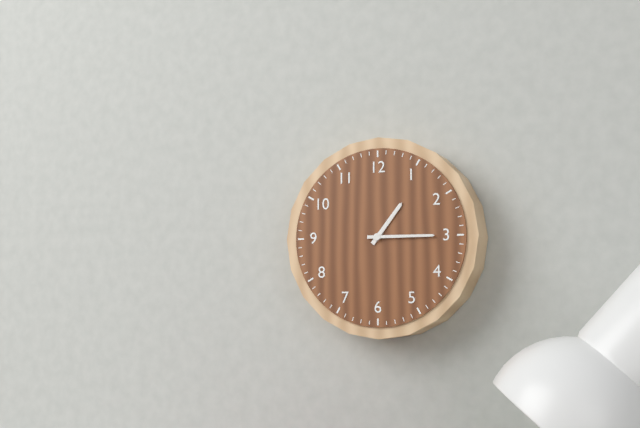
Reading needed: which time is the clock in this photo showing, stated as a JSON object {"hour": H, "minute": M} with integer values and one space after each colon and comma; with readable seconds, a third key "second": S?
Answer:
{"hour": 1, "minute": 15}
